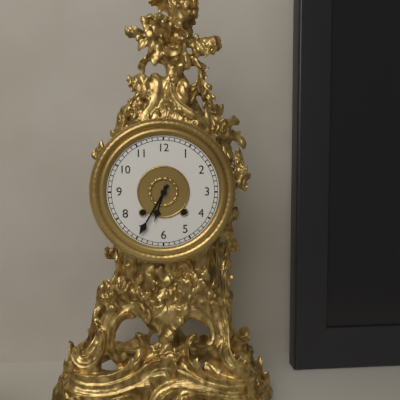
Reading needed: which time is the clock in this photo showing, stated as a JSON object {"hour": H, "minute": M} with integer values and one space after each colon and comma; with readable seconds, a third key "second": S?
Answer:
{"hour": 6, "minute": 35}
